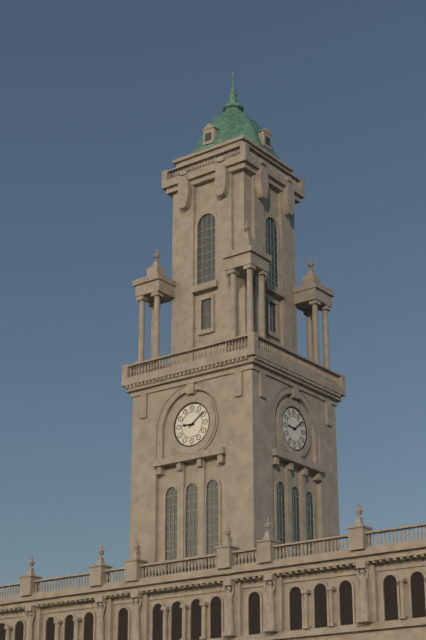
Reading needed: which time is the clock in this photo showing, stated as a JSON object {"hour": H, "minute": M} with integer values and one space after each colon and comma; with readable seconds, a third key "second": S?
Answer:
{"hour": 9, "minute": 9}
